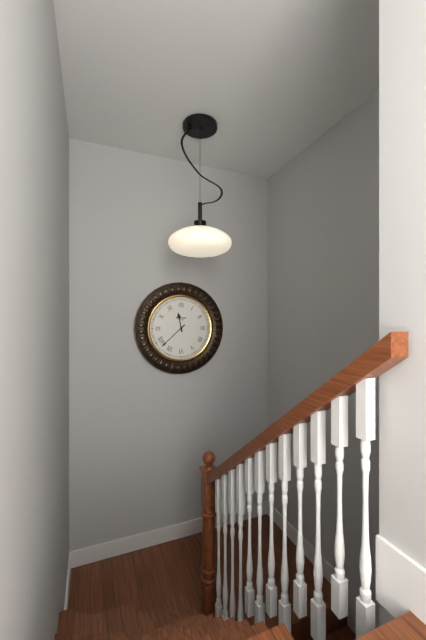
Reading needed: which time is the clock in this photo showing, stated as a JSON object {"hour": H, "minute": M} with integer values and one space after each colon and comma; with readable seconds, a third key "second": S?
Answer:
{"hour": 11, "minute": 38}
